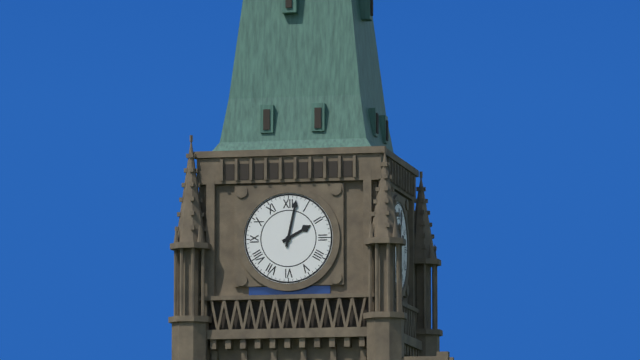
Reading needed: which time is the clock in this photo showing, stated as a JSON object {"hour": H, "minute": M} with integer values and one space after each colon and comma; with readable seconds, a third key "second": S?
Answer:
{"hour": 2, "minute": 2}
